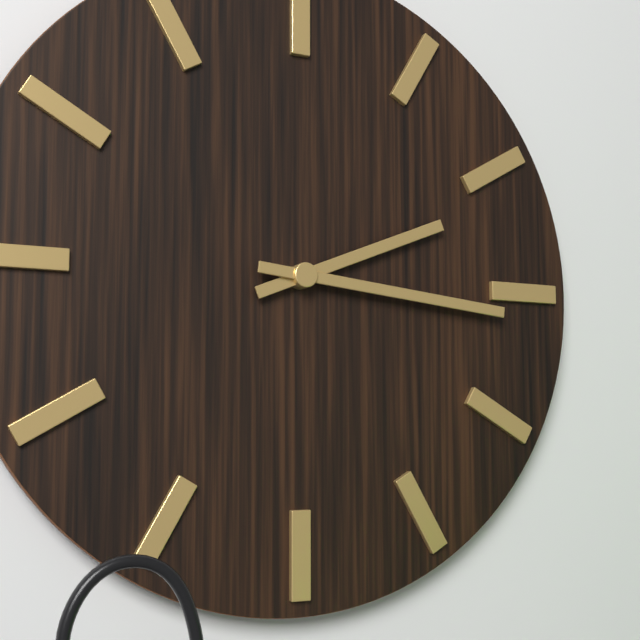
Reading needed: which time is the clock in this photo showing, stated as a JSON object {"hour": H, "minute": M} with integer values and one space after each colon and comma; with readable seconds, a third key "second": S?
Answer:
{"hour": 2, "minute": 16}
